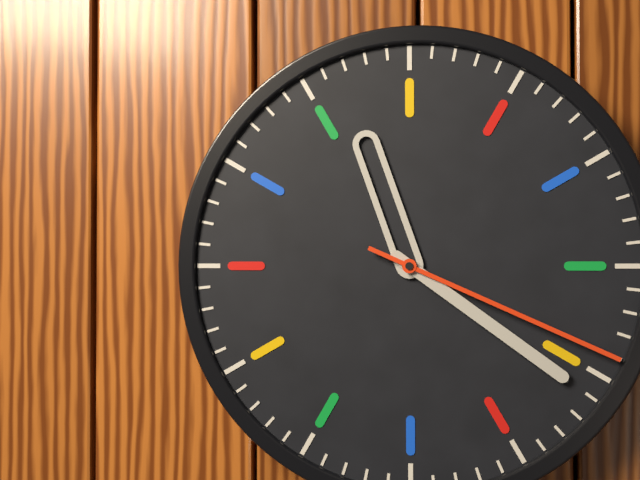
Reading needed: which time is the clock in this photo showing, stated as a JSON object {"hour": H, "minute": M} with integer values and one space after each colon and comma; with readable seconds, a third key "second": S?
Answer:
{"hour": 11, "minute": 21, "second": 19}
